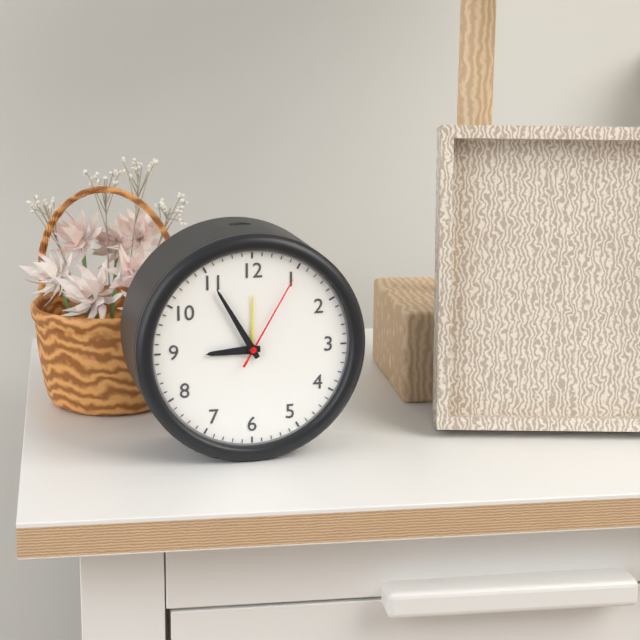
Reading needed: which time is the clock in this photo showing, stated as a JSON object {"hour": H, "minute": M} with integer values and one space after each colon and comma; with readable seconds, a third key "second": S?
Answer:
{"hour": 8, "minute": 55, "second": 5}
